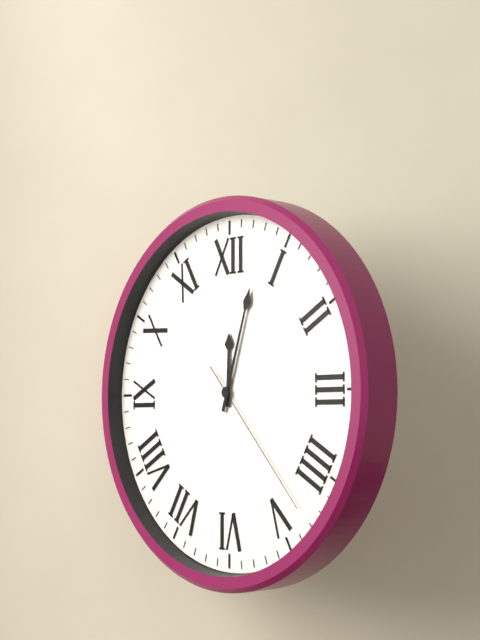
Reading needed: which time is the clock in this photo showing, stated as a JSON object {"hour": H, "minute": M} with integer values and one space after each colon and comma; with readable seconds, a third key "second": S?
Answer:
{"hour": 12, "minute": 3, "second": 23}
